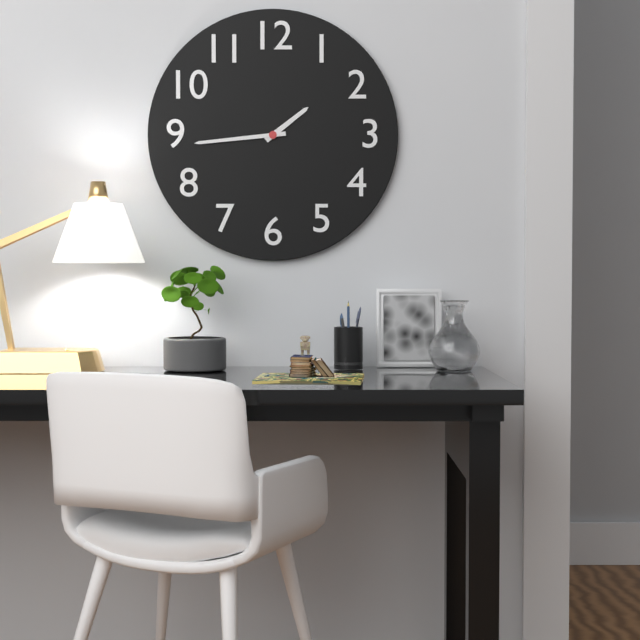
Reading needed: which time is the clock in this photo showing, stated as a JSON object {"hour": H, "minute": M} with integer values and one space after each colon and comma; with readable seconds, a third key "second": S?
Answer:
{"hour": 1, "minute": 44}
